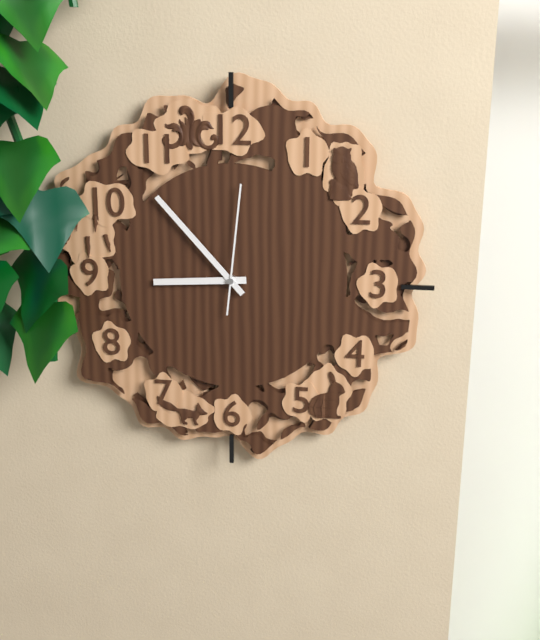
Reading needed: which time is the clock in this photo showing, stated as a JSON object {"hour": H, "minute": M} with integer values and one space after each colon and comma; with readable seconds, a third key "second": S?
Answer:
{"hour": 8, "minute": 53, "second": 1}
